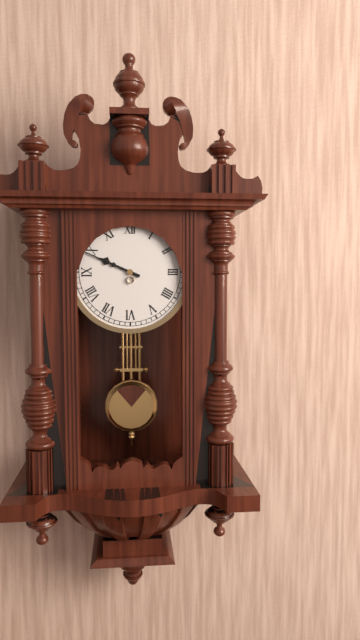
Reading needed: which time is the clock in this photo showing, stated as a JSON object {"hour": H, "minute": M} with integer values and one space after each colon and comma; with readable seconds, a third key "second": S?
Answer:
{"hour": 9, "minute": 49}
